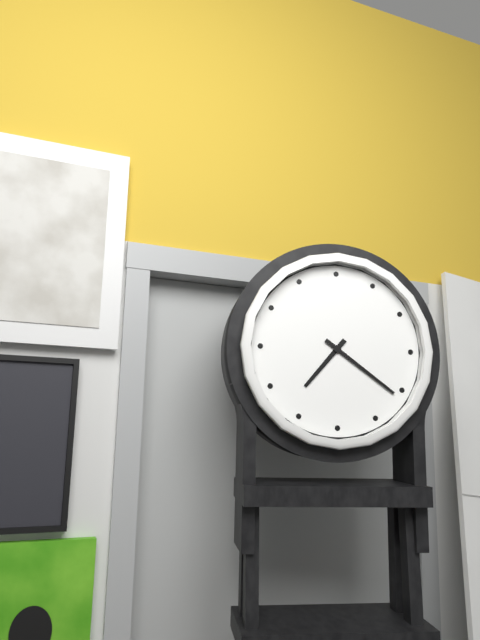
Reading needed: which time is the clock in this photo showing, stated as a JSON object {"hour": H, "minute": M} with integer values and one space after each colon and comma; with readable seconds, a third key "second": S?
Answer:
{"hour": 7, "minute": 21}
